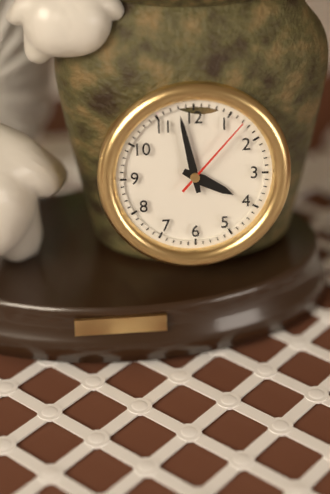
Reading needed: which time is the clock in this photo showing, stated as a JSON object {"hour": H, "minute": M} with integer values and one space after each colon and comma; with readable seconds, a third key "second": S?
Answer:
{"hour": 3, "minute": 58, "second": 7}
